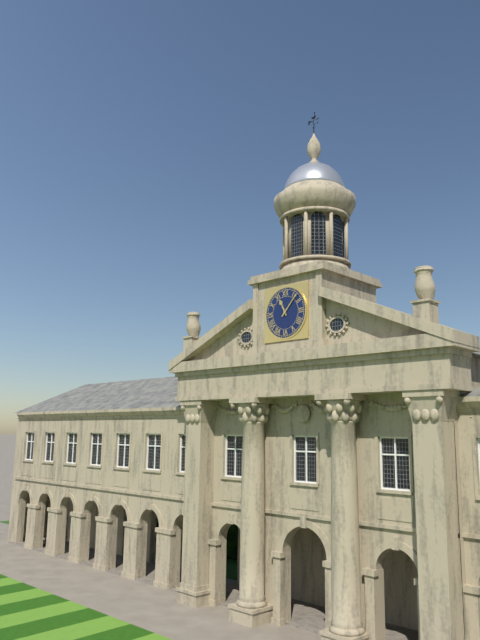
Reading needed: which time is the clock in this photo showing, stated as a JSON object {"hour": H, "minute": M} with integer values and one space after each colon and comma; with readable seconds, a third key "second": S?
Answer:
{"hour": 11, "minute": 7}
